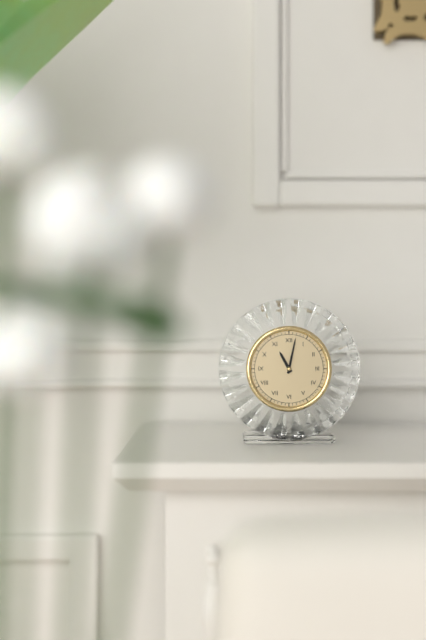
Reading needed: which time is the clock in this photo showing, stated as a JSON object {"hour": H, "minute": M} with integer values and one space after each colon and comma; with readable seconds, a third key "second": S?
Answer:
{"hour": 11, "minute": 2}
